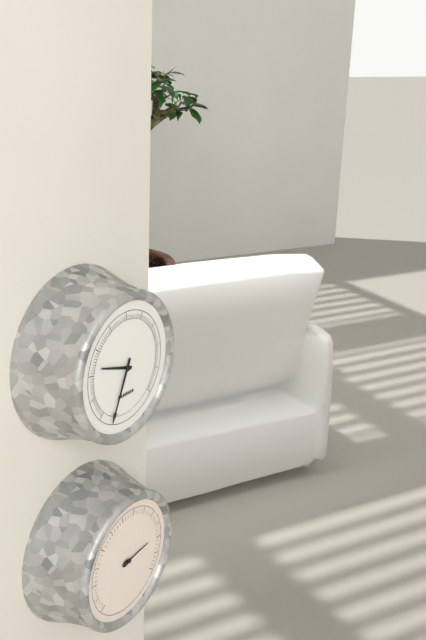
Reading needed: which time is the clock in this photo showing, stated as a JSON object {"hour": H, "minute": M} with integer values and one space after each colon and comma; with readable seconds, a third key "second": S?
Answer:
{"hour": 9, "minute": 34}
